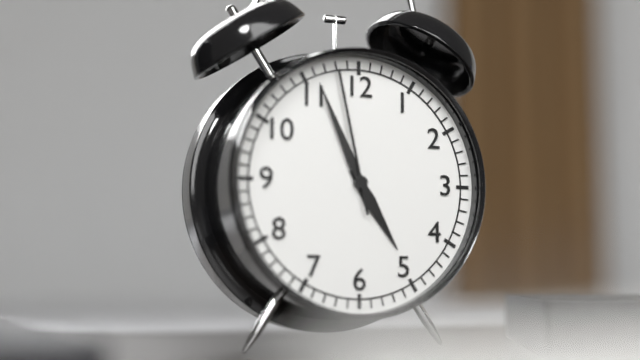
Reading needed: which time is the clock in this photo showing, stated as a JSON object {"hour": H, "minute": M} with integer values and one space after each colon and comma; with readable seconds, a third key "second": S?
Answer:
{"hour": 4, "minute": 56, "second": 58}
